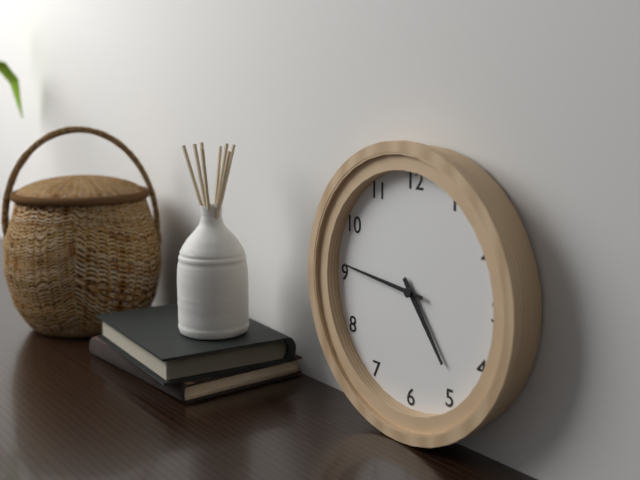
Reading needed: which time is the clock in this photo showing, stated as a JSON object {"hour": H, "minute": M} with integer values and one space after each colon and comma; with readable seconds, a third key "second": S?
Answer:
{"hour": 4, "minute": 46}
